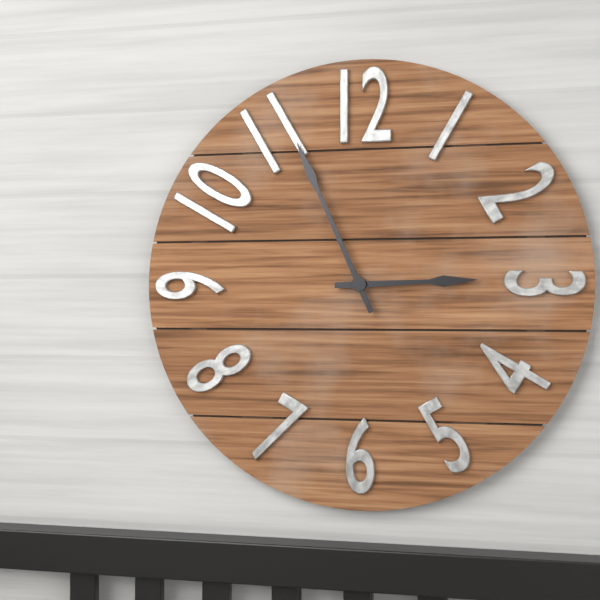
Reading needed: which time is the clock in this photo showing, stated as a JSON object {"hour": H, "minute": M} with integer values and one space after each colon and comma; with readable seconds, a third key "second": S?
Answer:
{"hour": 2, "minute": 56}
